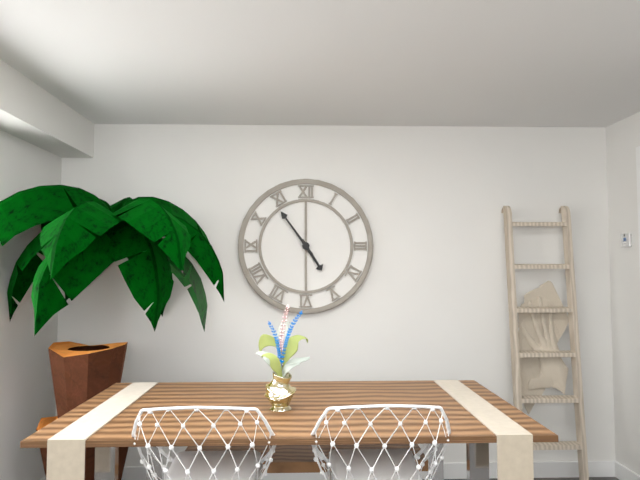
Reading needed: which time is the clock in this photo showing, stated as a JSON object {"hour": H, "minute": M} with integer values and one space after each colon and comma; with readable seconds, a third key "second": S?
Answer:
{"hour": 4, "minute": 54}
